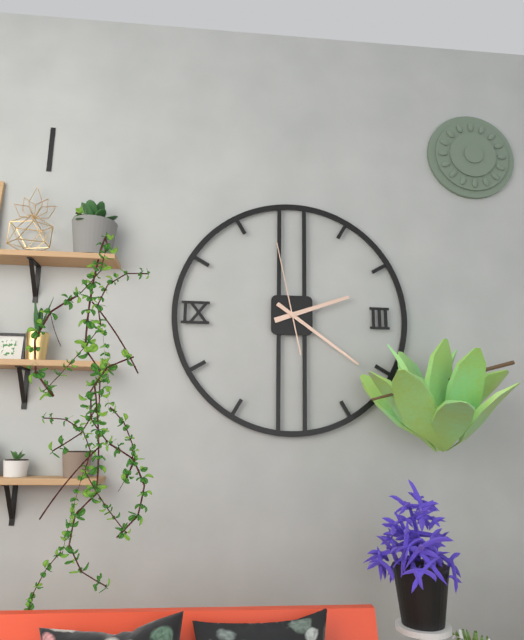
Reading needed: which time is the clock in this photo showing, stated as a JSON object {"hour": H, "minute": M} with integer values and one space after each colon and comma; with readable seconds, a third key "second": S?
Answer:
{"hour": 2, "minute": 21, "second": 58}
